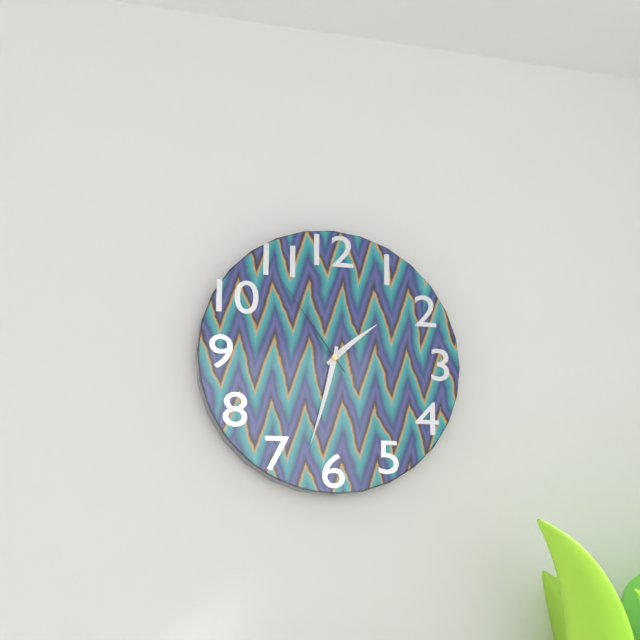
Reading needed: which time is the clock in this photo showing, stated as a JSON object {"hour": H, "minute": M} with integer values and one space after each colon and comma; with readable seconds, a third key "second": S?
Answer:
{"hour": 1, "minute": 32, "second": 54}
